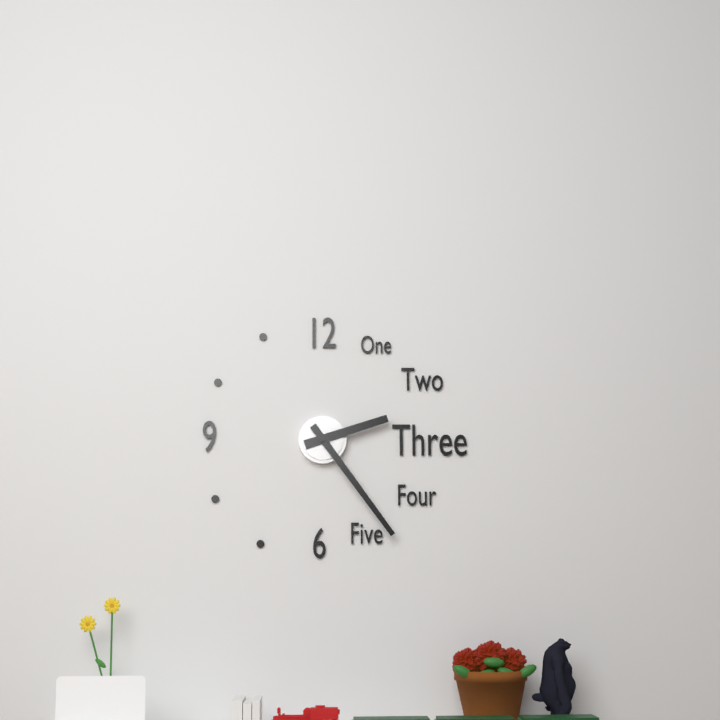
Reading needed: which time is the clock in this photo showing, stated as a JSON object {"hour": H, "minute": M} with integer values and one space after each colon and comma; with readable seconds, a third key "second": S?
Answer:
{"hour": 2, "minute": 24}
